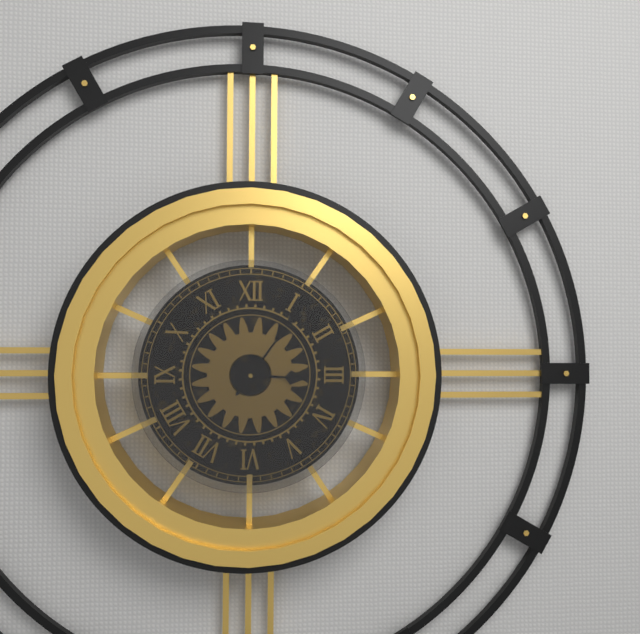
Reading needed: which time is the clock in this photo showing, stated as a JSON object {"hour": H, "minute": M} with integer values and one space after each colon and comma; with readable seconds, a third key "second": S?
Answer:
{"hour": 3, "minute": 6}
